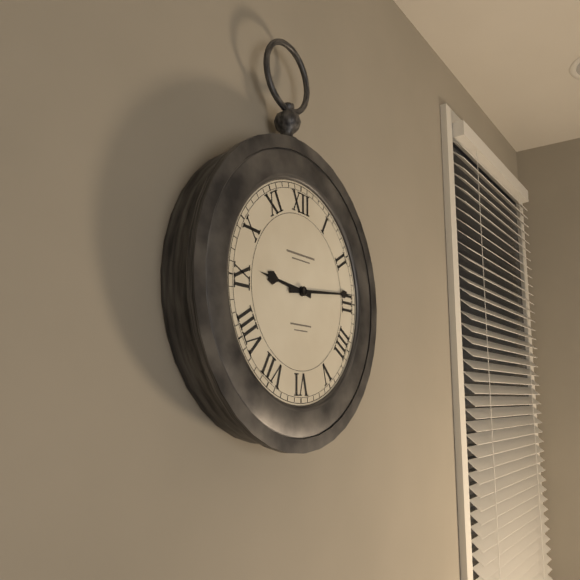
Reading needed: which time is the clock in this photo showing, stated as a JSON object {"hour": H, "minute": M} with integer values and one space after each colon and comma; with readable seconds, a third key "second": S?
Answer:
{"hour": 9, "minute": 14}
